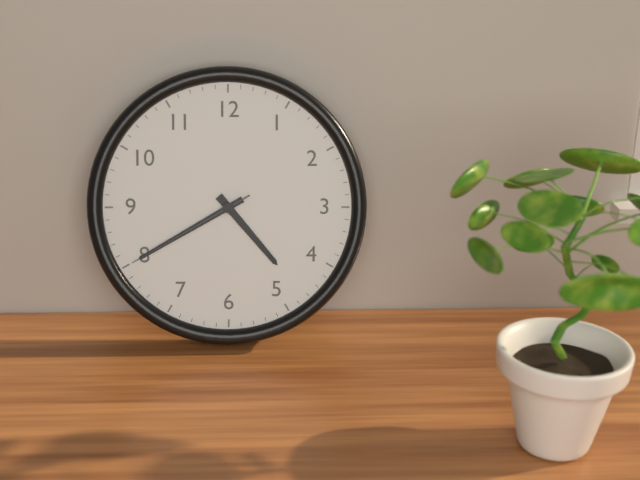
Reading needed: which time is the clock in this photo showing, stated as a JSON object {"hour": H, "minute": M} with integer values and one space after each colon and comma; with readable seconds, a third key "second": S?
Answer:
{"hour": 4, "minute": 40, "second": 40}
